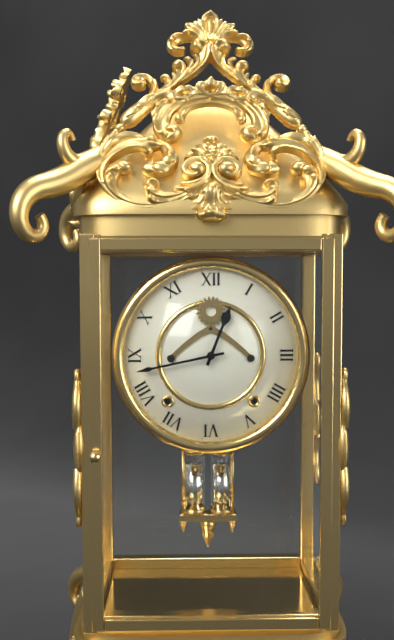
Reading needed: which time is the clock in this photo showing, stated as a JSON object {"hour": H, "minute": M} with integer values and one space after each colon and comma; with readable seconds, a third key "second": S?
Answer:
{"hour": 12, "minute": 43}
